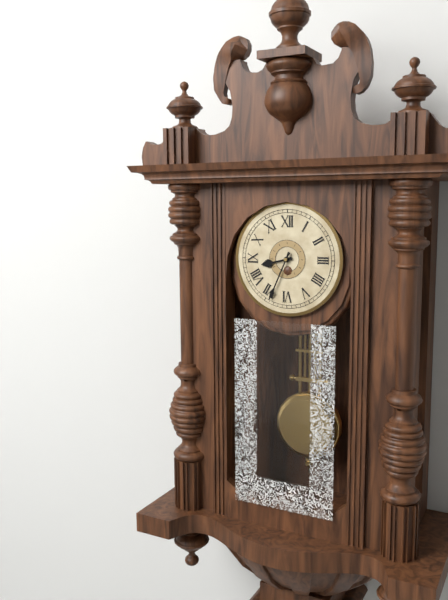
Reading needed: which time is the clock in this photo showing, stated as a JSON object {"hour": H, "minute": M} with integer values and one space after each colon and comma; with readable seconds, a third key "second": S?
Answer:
{"hour": 8, "minute": 34}
